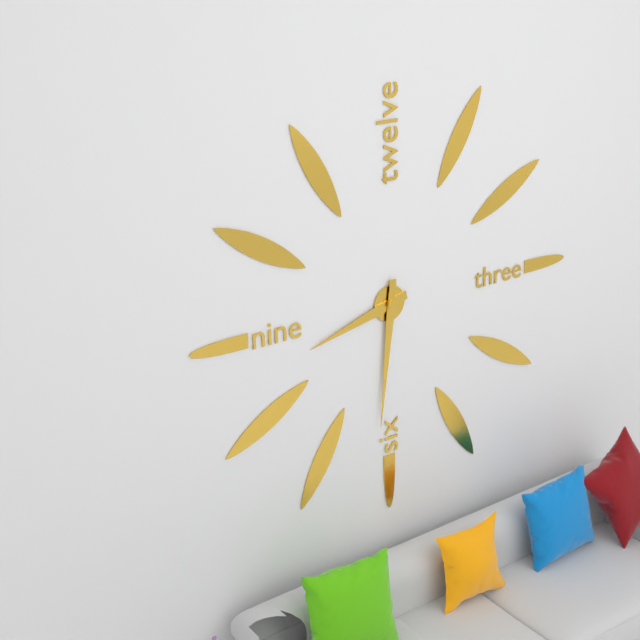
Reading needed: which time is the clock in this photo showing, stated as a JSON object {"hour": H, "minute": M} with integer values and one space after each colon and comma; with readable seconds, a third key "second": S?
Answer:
{"hour": 8, "minute": 31}
